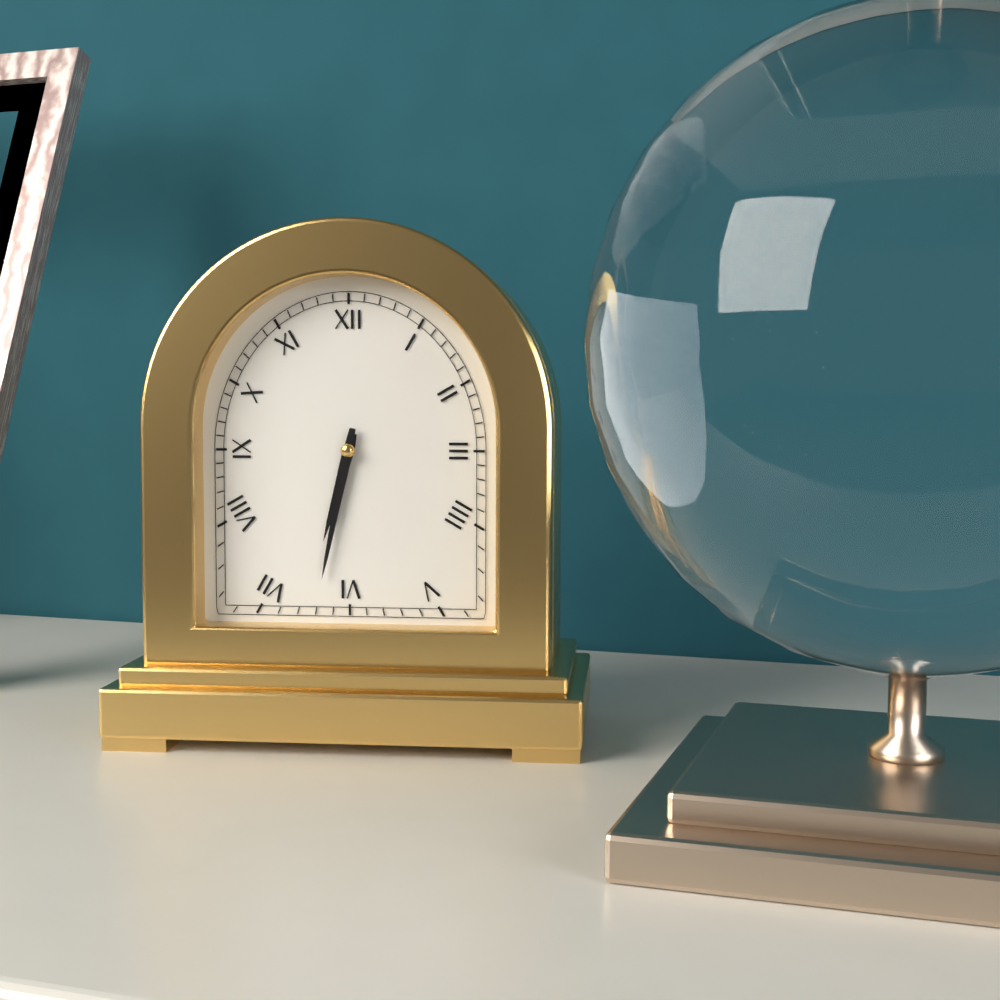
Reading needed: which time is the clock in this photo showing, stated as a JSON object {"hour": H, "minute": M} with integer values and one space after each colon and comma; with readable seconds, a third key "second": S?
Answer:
{"hour": 6, "minute": 32}
